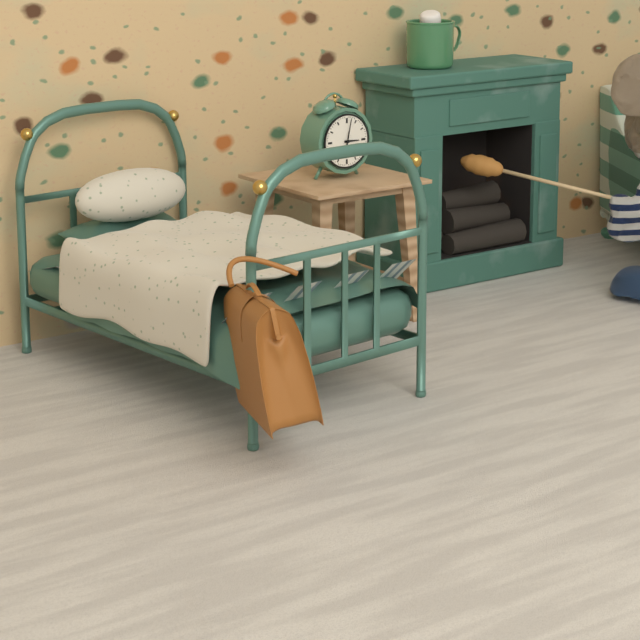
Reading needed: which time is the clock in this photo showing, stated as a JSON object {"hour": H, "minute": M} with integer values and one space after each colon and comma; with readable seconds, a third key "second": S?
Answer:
{"hour": 3, "minute": 2}
